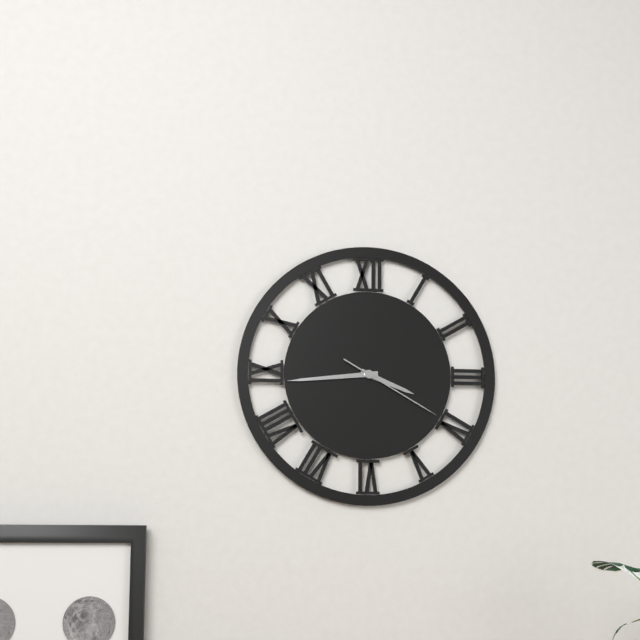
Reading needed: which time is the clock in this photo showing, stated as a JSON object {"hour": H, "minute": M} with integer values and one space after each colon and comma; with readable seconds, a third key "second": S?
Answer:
{"hour": 3, "minute": 44, "second": 20}
